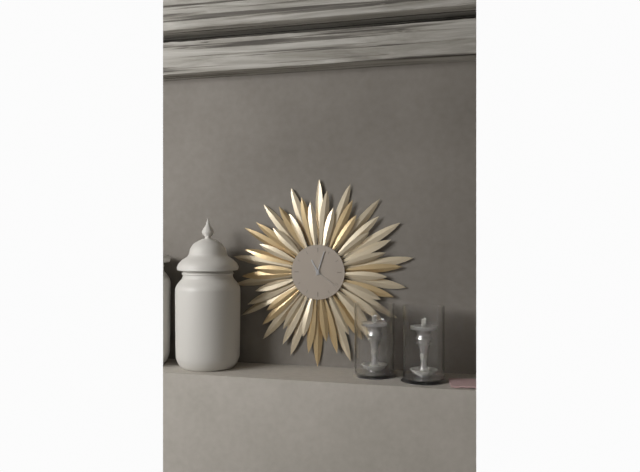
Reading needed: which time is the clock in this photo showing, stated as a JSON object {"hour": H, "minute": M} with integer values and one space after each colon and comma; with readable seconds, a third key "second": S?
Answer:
{"hour": 11, "minute": 3}
